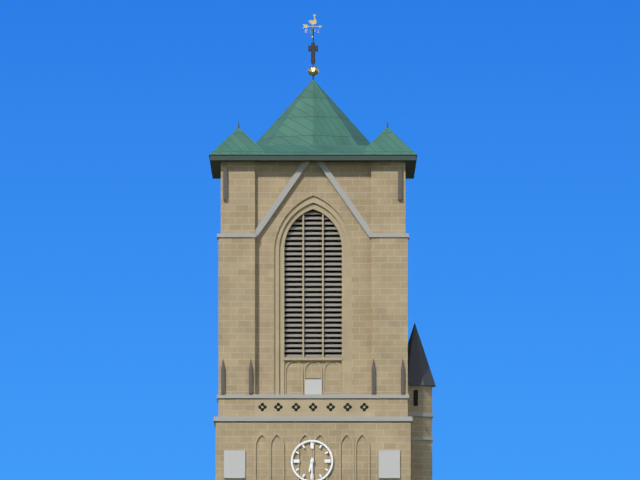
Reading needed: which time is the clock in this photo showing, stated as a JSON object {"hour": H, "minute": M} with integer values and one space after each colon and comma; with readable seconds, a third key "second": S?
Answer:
{"hour": 6, "minute": 30}
